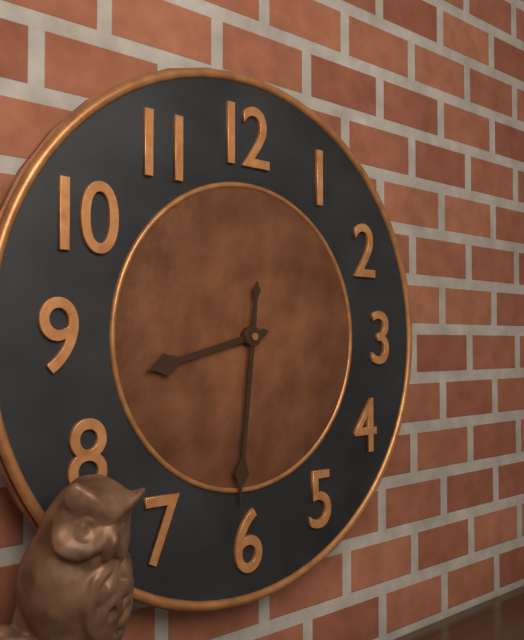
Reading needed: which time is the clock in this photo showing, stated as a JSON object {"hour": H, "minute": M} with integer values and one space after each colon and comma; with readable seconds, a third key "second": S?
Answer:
{"hour": 8, "minute": 31}
